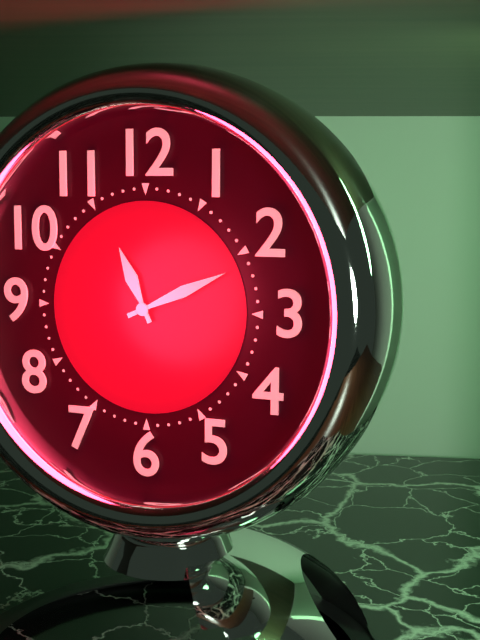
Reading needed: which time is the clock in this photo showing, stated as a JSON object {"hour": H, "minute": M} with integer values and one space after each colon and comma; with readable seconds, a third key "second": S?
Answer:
{"hour": 11, "minute": 11}
